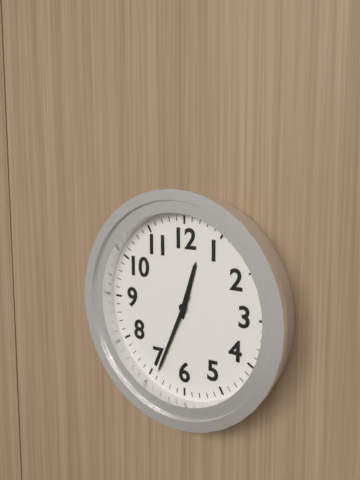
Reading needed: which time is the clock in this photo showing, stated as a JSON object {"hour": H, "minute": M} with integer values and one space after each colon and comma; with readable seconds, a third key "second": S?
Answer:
{"hour": 12, "minute": 34}
